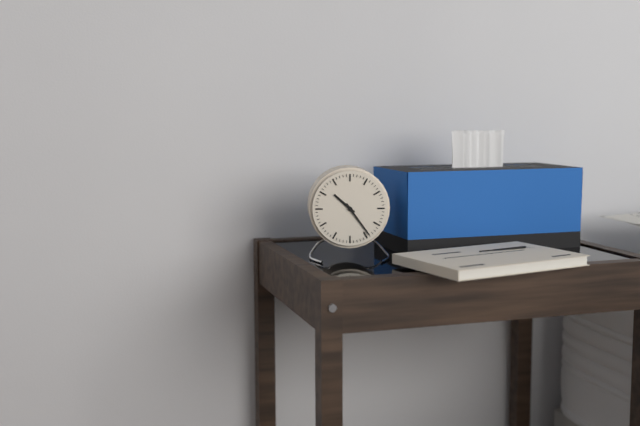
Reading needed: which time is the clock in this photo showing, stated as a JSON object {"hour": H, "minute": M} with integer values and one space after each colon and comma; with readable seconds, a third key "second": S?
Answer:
{"hour": 10, "minute": 24}
